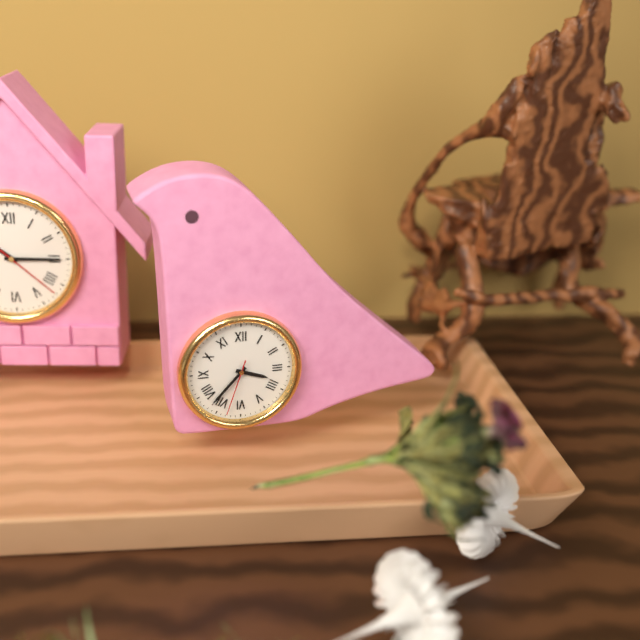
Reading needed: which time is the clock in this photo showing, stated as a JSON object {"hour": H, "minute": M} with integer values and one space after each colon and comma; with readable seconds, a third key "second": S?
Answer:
{"hour": 3, "minute": 37, "second": 33}
